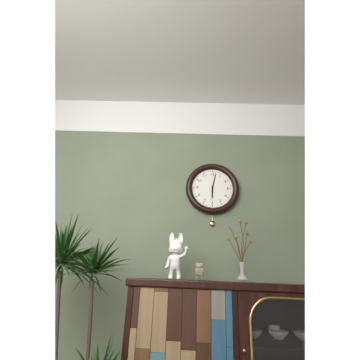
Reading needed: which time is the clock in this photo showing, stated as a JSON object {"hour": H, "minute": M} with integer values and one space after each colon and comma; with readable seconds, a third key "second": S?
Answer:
{"hour": 6, "minute": 2}
